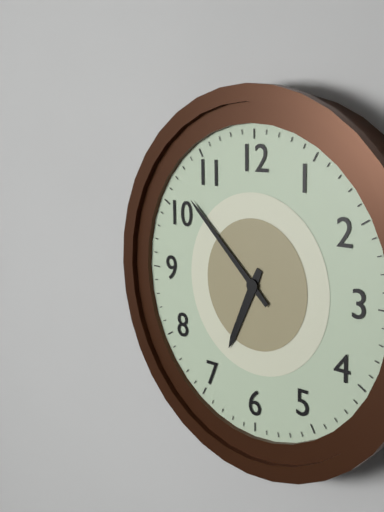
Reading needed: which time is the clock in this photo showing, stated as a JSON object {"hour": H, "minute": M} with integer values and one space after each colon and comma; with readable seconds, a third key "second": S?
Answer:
{"hour": 6, "minute": 52}
